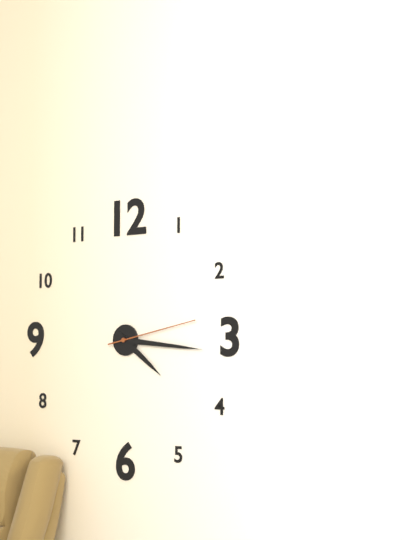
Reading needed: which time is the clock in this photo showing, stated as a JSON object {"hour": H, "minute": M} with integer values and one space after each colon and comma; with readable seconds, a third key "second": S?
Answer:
{"hour": 4, "minute": 16, "second": 13}
